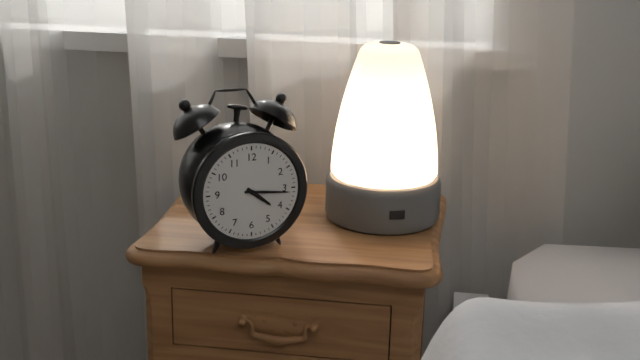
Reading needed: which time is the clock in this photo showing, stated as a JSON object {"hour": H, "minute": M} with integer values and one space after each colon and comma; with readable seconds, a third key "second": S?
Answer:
{"hour": 4, "minute": 16}
